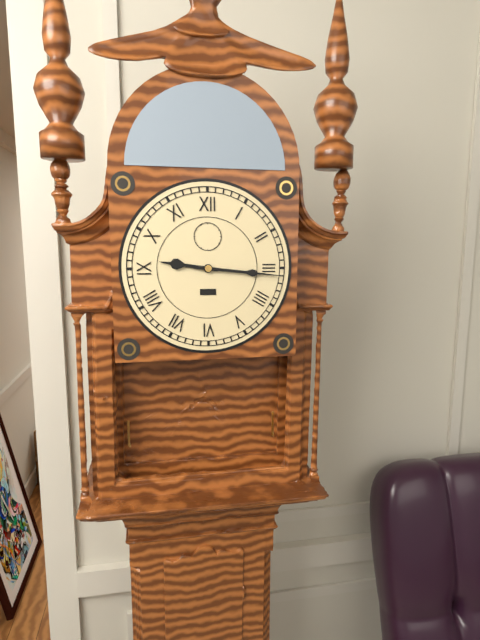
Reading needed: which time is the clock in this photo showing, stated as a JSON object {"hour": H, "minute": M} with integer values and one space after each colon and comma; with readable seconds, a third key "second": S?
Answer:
{"hour": 9, "minute": 16}
